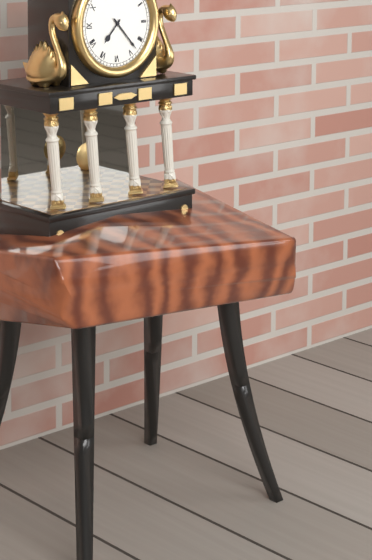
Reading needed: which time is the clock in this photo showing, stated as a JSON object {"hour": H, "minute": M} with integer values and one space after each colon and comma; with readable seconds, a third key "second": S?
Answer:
{"hour": 7, "minute": 23}
